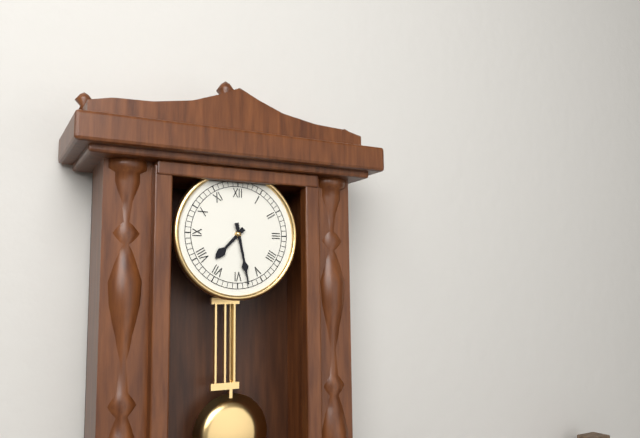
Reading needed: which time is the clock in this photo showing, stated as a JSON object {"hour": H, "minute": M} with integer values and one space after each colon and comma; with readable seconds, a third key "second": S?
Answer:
{"hour": 7, "minute": 28}
